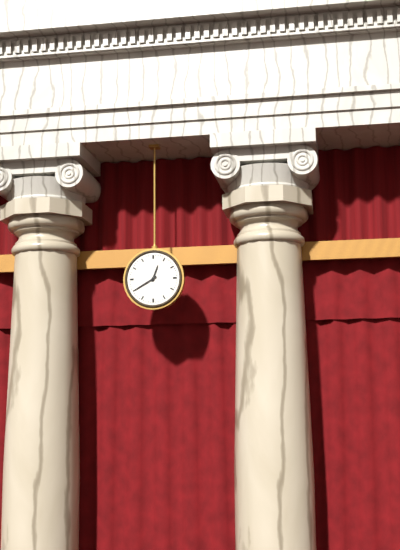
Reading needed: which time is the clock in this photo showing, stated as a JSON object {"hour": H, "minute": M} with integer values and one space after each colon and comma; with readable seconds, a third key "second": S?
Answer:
{"hour": 12, "minute": 40}
